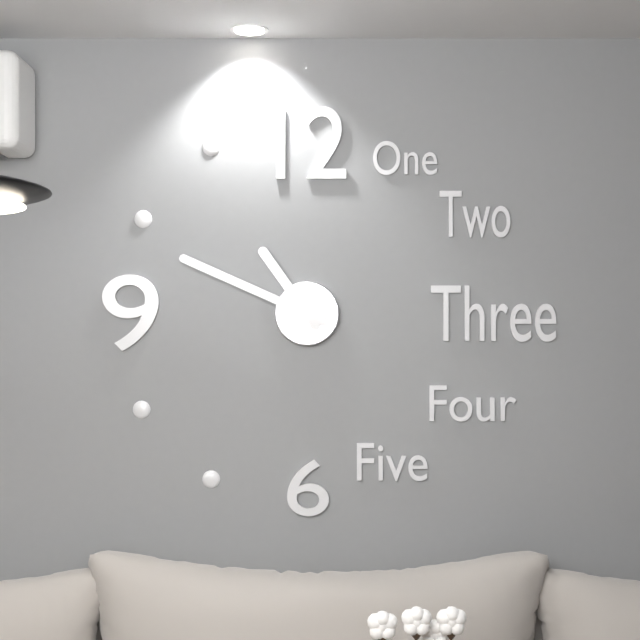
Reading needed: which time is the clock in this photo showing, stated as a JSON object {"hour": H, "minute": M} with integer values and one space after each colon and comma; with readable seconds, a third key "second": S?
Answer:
{"hour": 10, "minute": 49}
